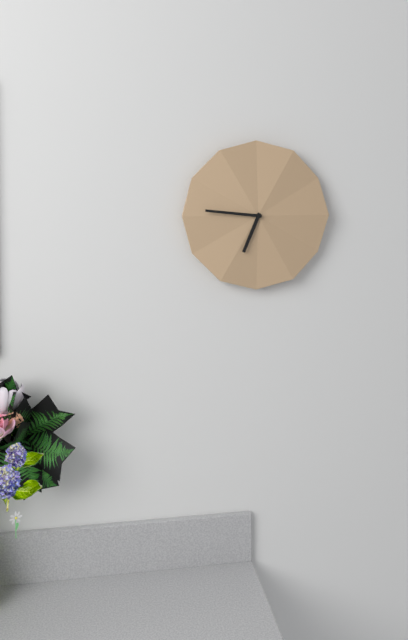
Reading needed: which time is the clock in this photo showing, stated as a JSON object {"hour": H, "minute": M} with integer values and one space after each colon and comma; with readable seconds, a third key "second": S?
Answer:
{"hour": 6, "minute": 46}
